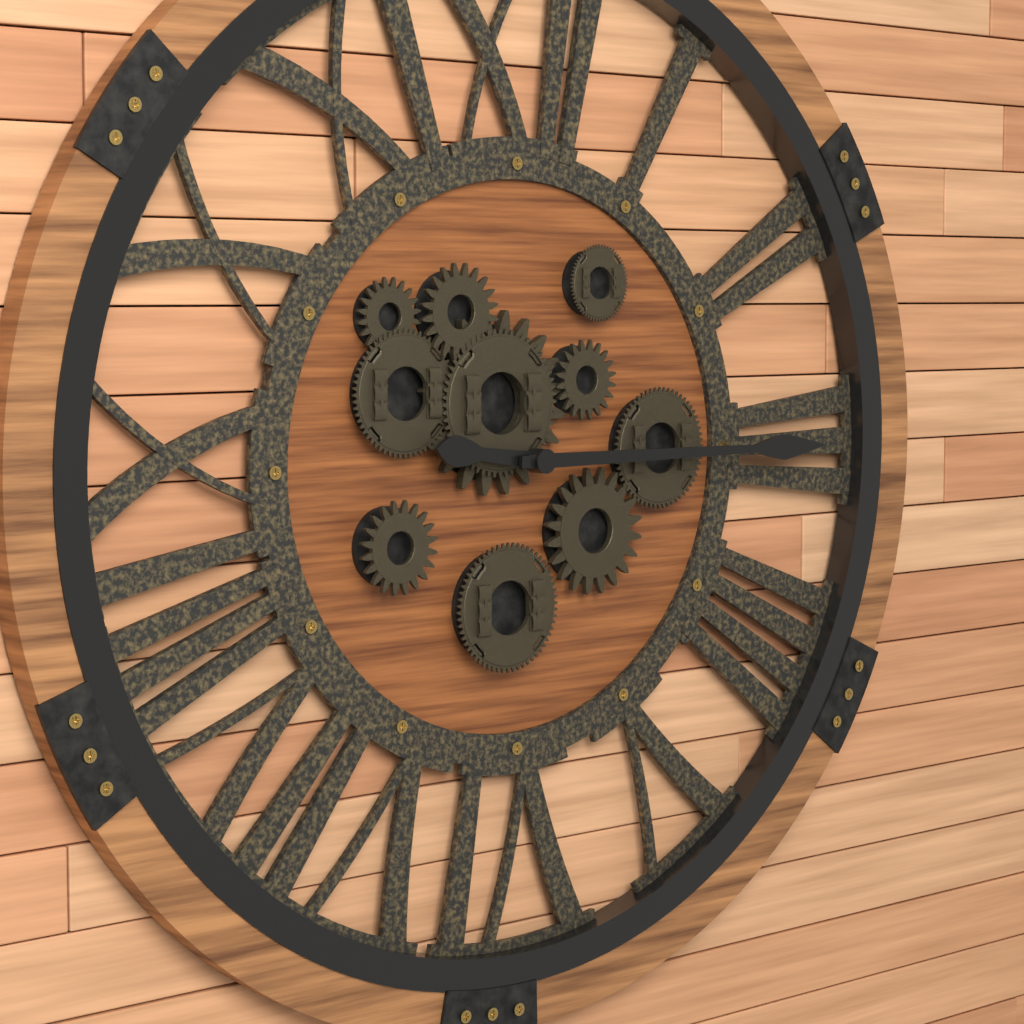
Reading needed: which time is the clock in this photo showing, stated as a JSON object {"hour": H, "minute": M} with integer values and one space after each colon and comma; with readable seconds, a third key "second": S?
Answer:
{"hour": 9, "minute": 15}
